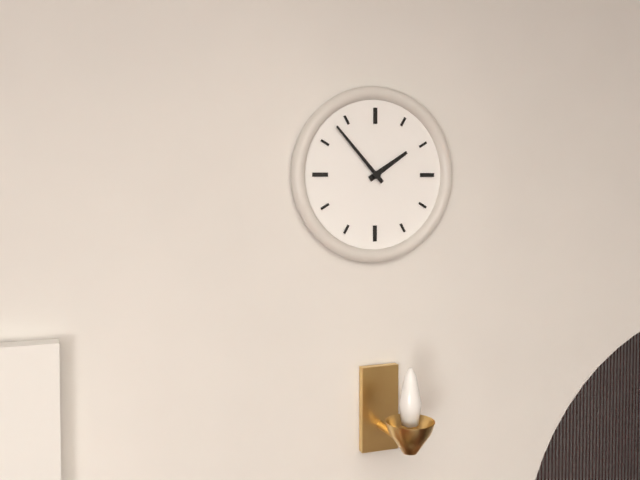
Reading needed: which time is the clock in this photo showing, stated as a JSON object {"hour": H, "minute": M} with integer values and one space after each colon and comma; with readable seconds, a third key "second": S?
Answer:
{"hour": 1, "minute": 53}
